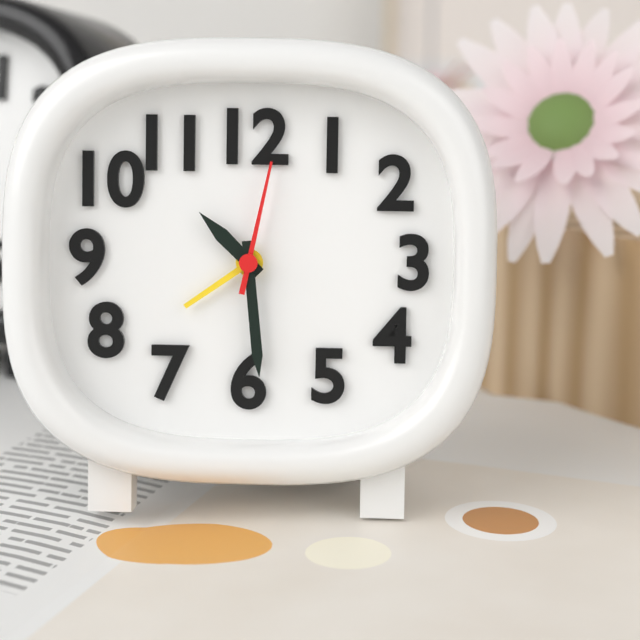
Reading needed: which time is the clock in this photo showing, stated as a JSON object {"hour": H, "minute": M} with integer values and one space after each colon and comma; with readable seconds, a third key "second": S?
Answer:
{"hour": 10, "minute": 29, "second": 2}
